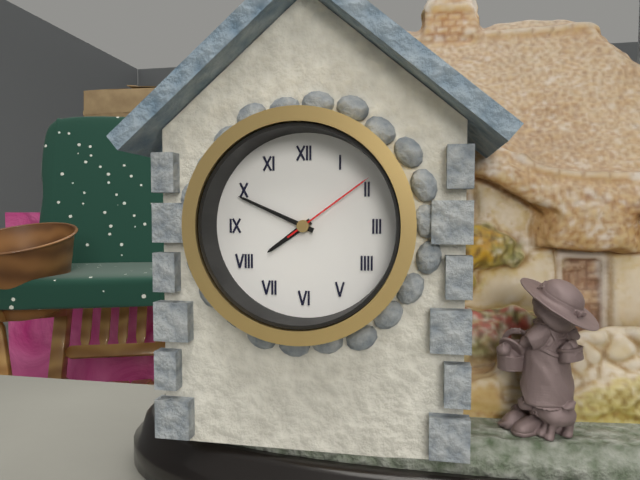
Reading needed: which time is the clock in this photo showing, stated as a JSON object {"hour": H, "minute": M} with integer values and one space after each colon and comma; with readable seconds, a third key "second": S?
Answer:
{"hour": 7, "minute": 49, "second": 9}
